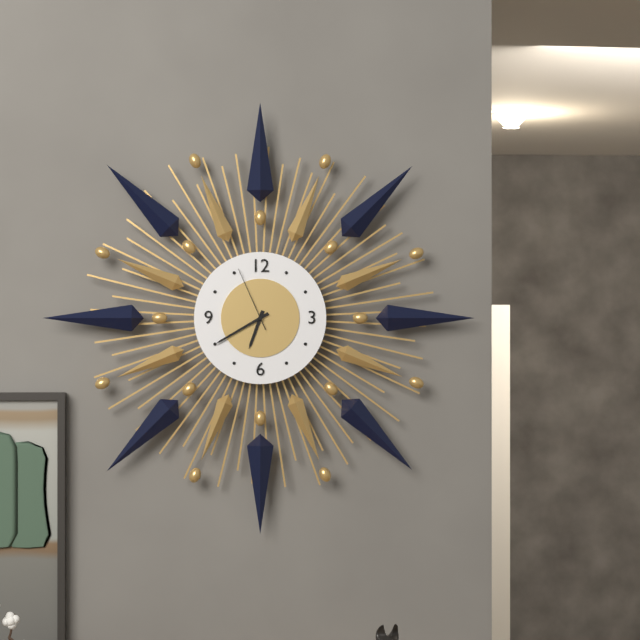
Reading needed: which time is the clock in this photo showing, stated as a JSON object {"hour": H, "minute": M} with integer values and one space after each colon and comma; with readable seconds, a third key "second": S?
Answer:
{"hour": 6, "minute": 40, "second": 56}
